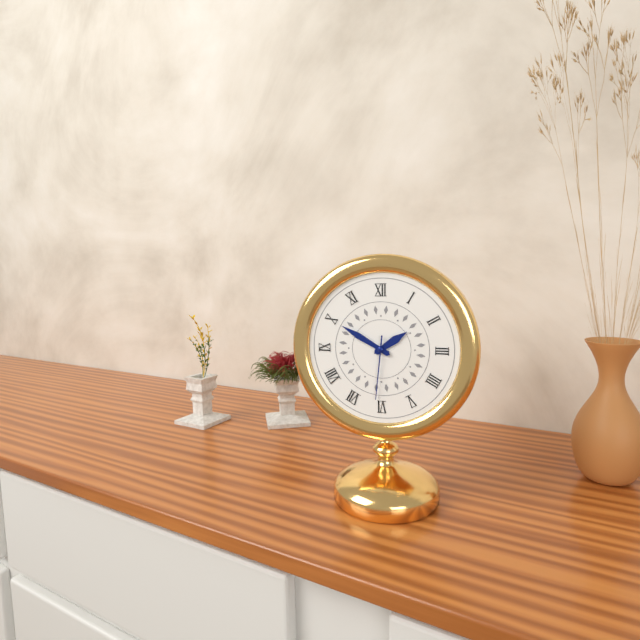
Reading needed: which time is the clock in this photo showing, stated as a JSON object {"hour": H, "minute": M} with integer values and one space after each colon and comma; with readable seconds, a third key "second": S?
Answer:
{"hour": 1, "minute": 50, "second": 31}
